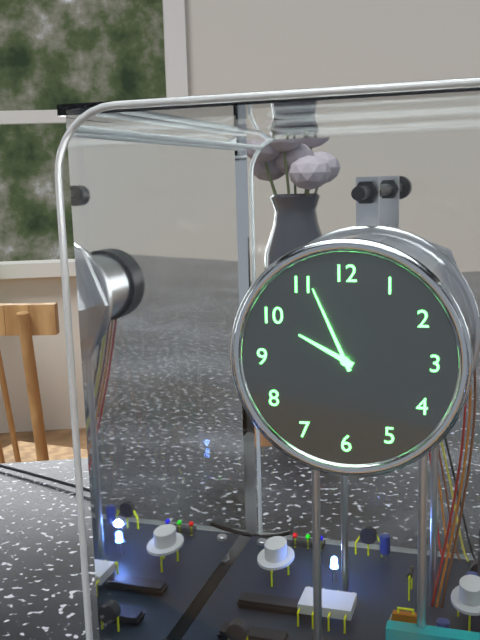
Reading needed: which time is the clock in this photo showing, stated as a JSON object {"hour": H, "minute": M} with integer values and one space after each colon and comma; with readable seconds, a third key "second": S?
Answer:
{"hour": 9, "minute": 56}
